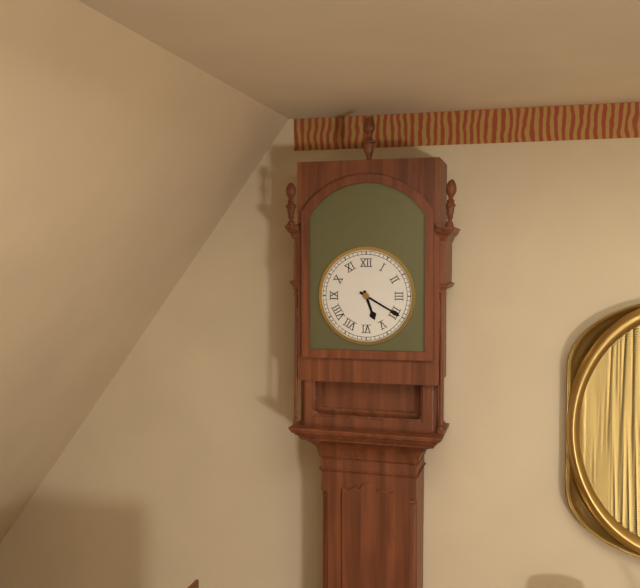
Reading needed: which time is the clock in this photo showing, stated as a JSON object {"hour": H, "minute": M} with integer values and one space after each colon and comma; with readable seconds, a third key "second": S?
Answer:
{"hour": 5, "minute": 20}
